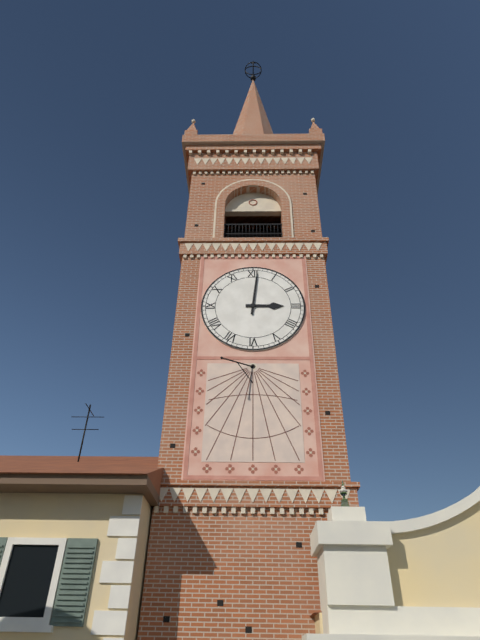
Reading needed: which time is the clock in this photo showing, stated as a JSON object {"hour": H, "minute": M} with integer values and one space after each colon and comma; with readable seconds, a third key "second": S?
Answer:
{"hour": 3, "minute": 1}
